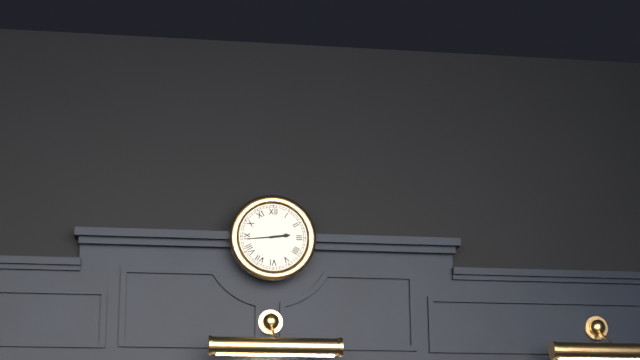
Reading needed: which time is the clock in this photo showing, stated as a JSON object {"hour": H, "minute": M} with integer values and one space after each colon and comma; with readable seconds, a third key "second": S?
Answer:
{"hour": 2, "minute": 44}
